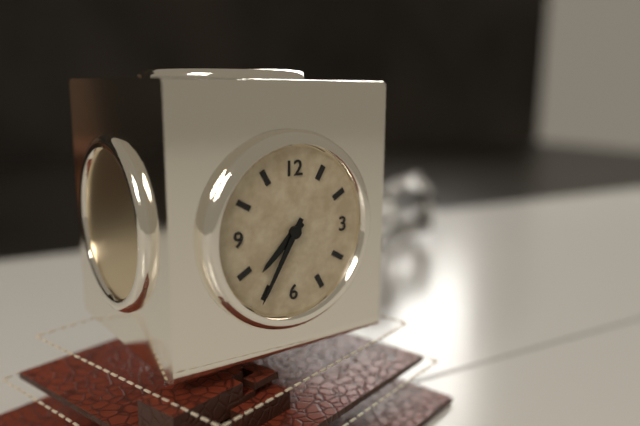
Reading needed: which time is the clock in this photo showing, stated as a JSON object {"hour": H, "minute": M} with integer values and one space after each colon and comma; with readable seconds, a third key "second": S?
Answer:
{"hour": 7, "minute": 35}
